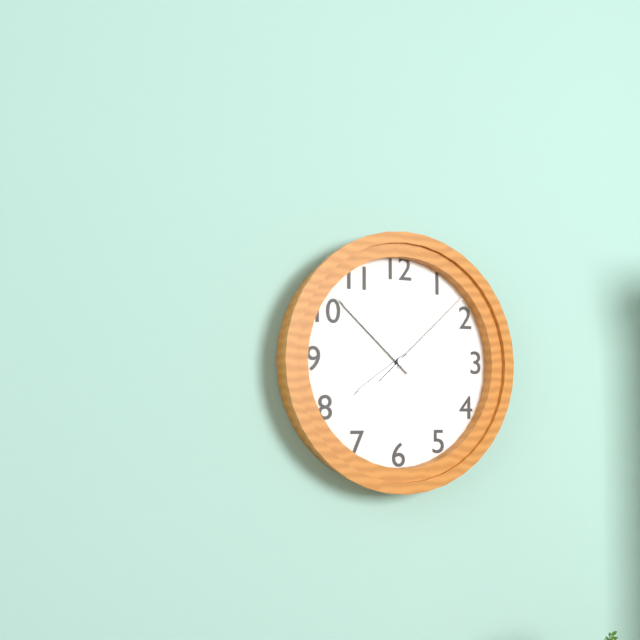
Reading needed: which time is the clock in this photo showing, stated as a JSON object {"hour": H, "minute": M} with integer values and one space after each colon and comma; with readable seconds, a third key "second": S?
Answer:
{"hour": 7, "minute": 52, "second": 8}
